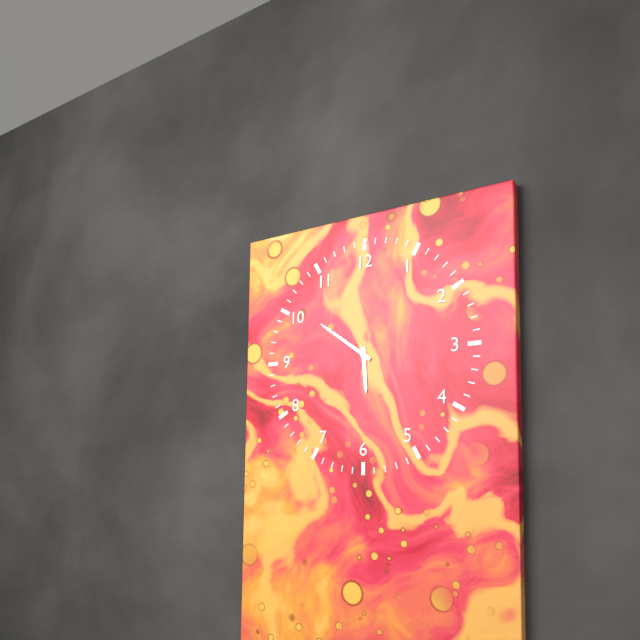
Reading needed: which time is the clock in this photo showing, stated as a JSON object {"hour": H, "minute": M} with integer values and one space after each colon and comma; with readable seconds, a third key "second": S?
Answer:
{"hour": 5, "minute": 51}
